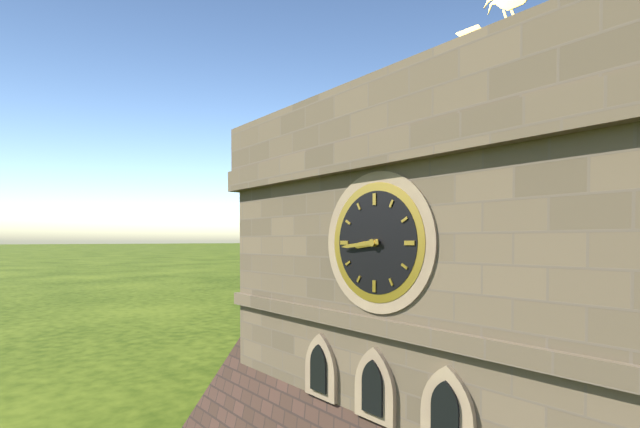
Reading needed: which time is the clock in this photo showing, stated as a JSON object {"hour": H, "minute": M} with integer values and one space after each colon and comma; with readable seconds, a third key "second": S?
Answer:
{"hour": 8, "minute": 44}
